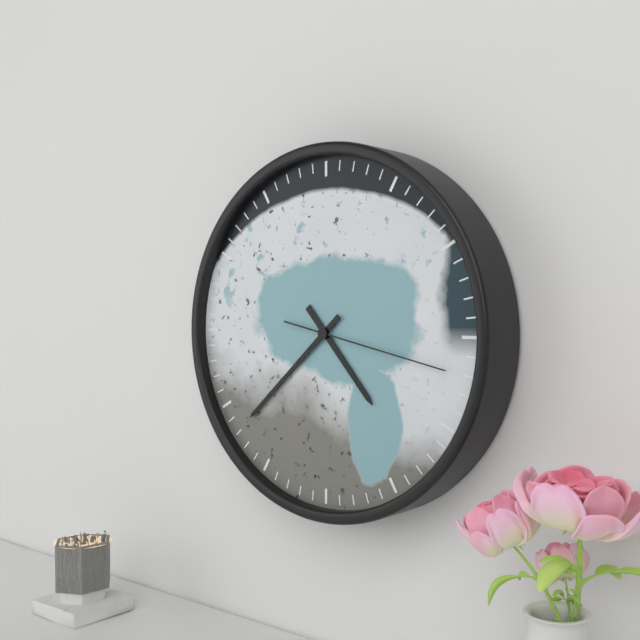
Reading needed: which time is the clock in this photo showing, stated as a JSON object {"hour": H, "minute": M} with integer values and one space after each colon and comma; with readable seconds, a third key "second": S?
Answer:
{"hour": 4, "minute": 38, "second": 17}
